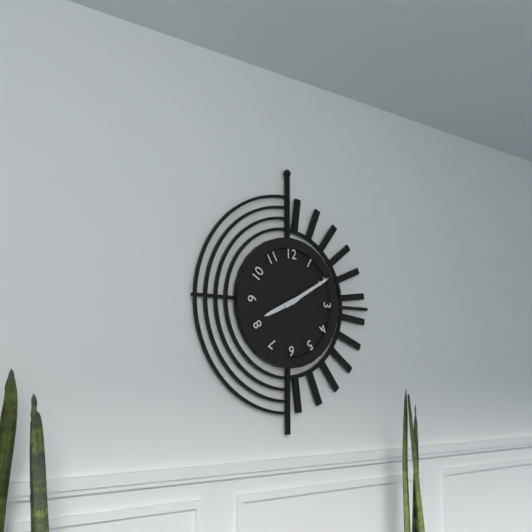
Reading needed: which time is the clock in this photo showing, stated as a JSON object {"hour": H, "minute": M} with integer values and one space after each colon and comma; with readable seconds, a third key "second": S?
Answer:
{"hour": 8, "minute": 10}
